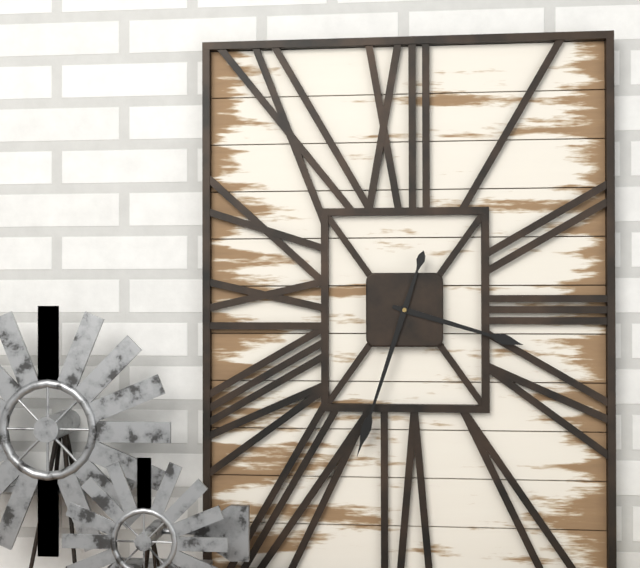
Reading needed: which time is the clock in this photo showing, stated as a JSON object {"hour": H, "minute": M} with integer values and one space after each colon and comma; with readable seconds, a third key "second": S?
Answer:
{"hour": 3, "minute": 33}
